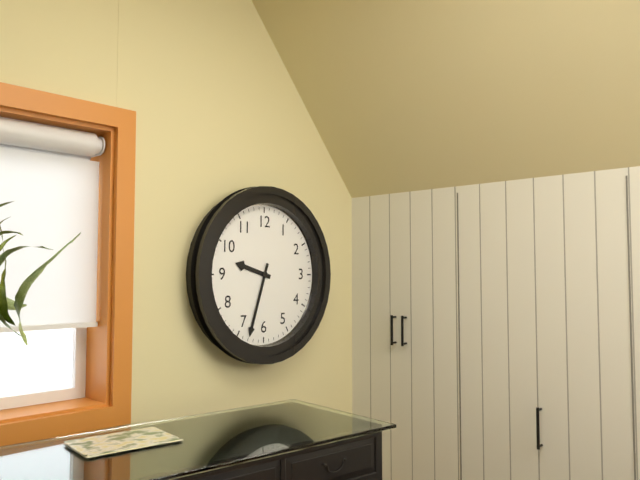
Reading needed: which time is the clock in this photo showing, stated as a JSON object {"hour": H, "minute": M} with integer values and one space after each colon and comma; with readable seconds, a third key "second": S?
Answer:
{"hour": 9, "minute": 33}
